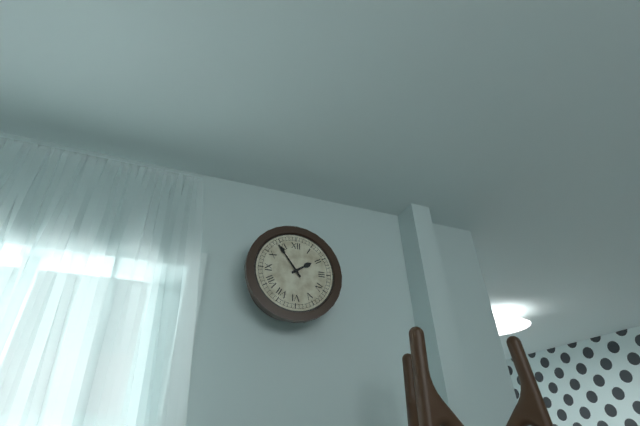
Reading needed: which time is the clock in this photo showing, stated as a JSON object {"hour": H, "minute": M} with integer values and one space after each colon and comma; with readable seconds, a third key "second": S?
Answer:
{"hour": 1, "minute": 54}
